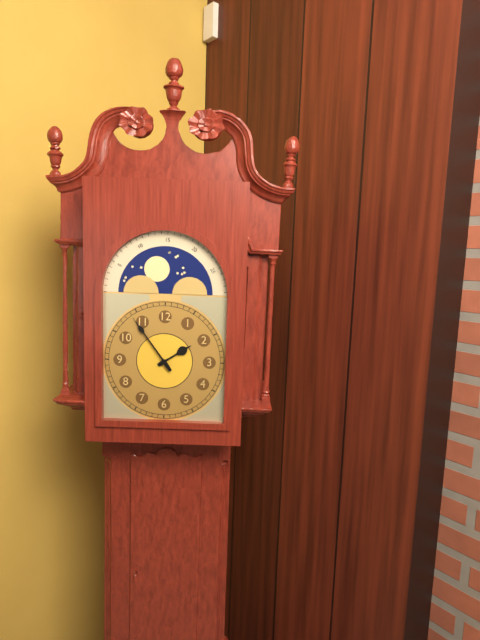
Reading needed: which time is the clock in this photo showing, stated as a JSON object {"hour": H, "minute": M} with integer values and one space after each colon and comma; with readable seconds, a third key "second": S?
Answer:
{"hour": 1, "minute": 54}
